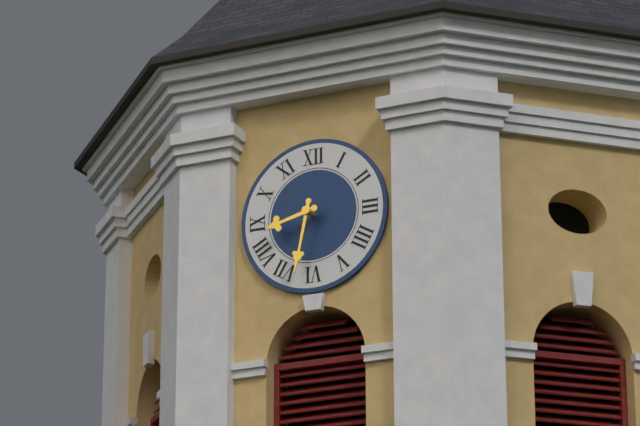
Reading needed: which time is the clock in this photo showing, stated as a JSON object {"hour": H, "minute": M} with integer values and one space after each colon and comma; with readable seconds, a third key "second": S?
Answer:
{"hour": 8, "minute": 32}
